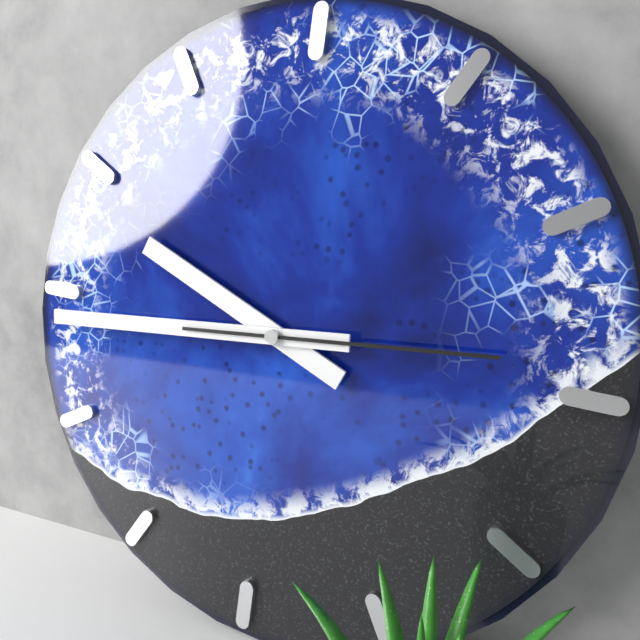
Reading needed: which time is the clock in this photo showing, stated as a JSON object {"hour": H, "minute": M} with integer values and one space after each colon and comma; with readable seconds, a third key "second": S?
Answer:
{"hour": 9, "minute": 44, "second": 14}
